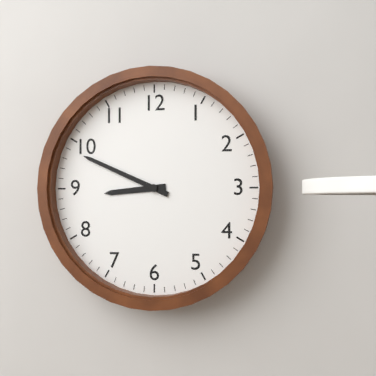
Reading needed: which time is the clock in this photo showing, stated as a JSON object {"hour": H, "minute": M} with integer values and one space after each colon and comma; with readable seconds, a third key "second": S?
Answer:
{"hour": 8, "minute": 49}
